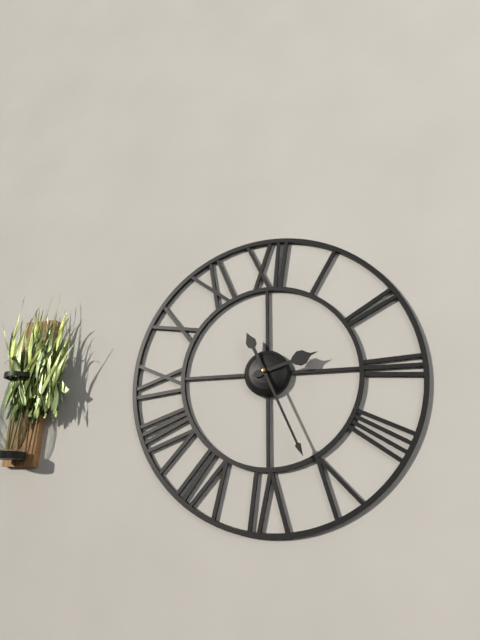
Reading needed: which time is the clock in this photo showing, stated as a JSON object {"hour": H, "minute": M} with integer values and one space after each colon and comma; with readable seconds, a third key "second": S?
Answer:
{"hour": 2, "minute": 26}
